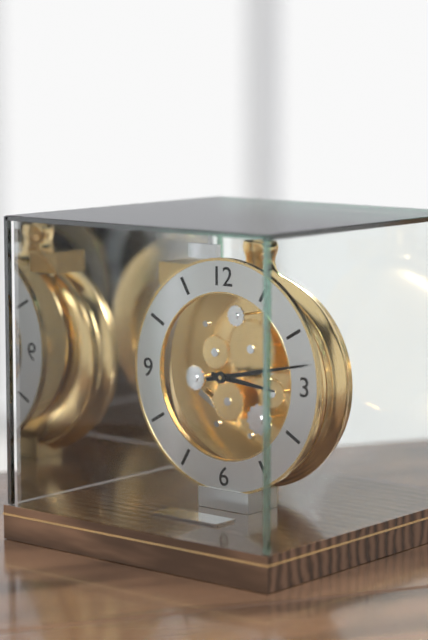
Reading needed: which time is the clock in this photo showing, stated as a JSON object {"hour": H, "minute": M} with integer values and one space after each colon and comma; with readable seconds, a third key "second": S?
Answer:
{"hour": 3, "minute": 13}
